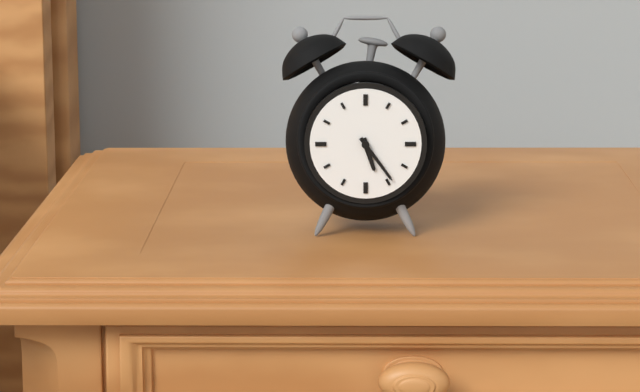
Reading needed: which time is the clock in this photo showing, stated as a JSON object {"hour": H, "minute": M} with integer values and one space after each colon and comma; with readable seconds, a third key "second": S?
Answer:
{"hour": 5, "minute": 24}
